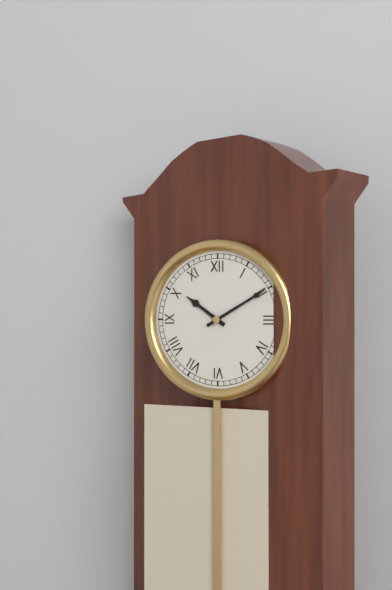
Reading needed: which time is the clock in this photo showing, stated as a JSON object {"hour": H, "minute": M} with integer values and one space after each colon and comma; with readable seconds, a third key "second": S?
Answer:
{"hour": 10, "minute": 10}
